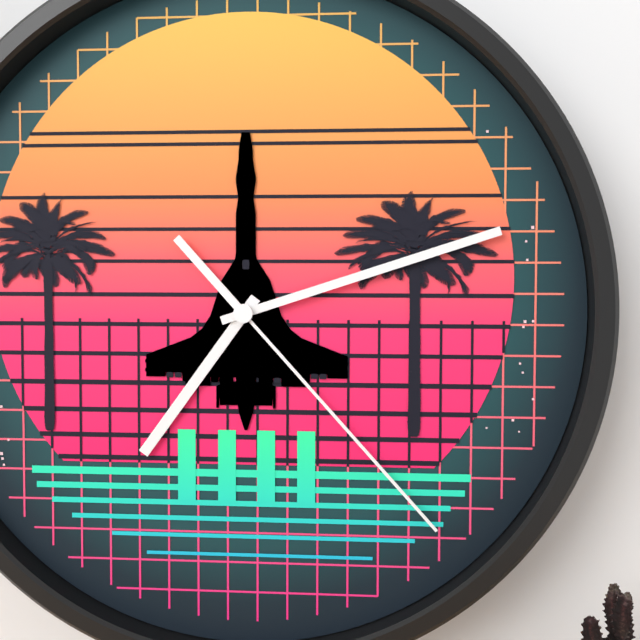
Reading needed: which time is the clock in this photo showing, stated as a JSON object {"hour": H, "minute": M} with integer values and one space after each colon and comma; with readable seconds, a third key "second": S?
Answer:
{"hour": 7, "minute": 12, "second": 23}
